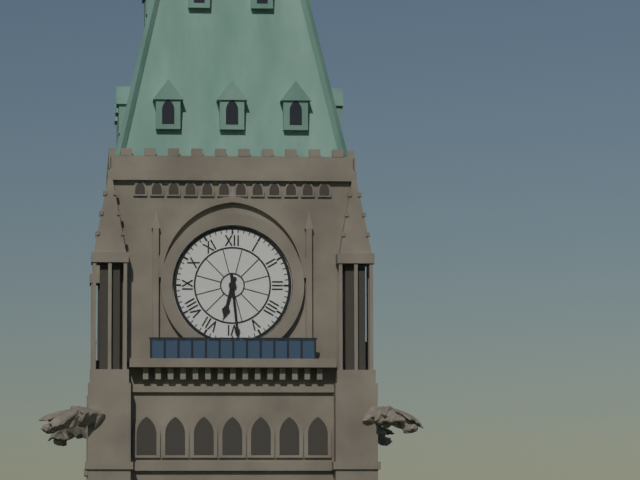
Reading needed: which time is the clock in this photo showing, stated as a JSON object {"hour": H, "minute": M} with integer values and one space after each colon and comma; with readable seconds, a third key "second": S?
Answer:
{"hour": 6, "minute": 29}
